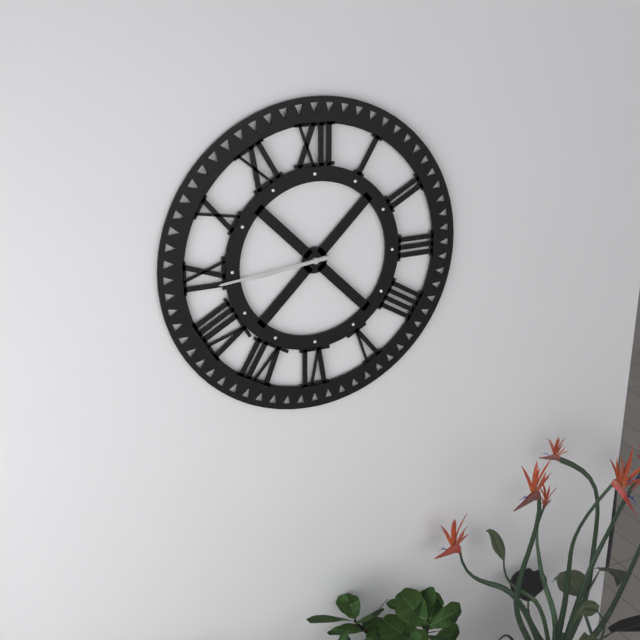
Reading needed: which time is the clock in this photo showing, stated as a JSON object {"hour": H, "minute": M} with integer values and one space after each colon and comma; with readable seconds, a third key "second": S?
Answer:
{"hour": 8, "minute": 44}
